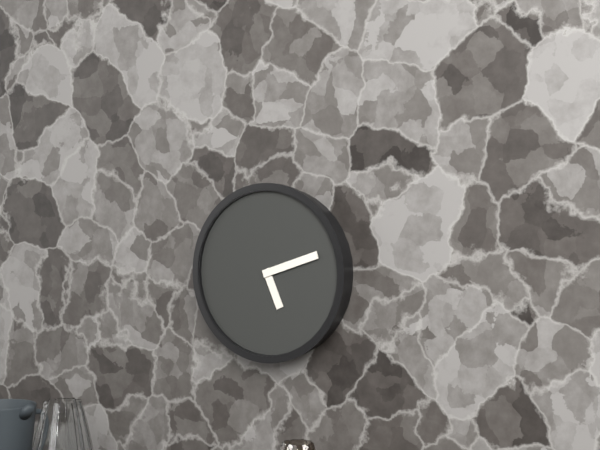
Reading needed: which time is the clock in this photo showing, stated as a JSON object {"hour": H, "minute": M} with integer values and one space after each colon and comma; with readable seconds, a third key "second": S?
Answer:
{"hour": 5, "minute": 12}
